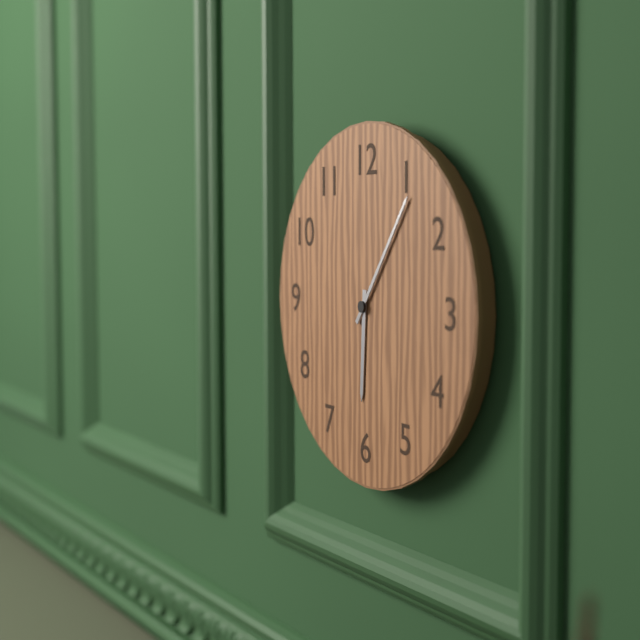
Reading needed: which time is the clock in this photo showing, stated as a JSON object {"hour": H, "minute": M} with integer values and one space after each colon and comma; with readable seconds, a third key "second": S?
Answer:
{"hour": 6, "minute": 6}
